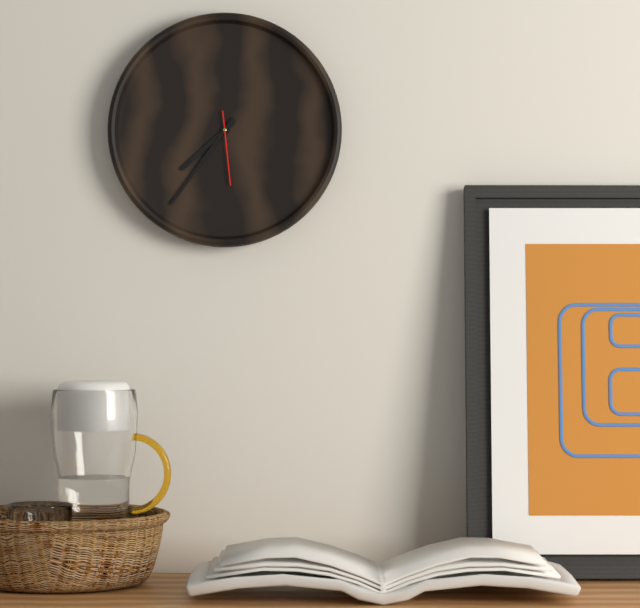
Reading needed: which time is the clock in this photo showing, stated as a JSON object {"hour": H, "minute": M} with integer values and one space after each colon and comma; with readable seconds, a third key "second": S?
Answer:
{"hour": 7, "minute": 36, "second": 29}
